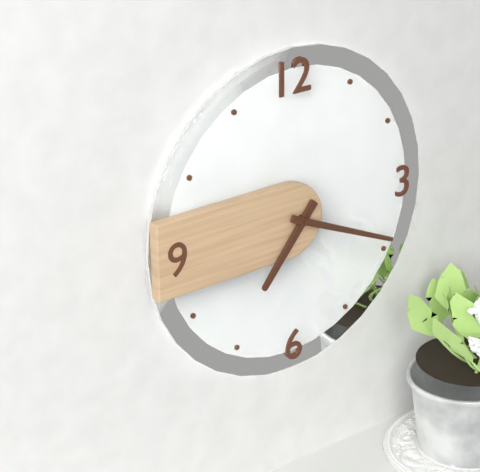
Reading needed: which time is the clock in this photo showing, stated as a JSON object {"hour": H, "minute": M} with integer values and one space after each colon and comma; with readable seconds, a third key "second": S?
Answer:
{"hour": 7, "minute": 19}
